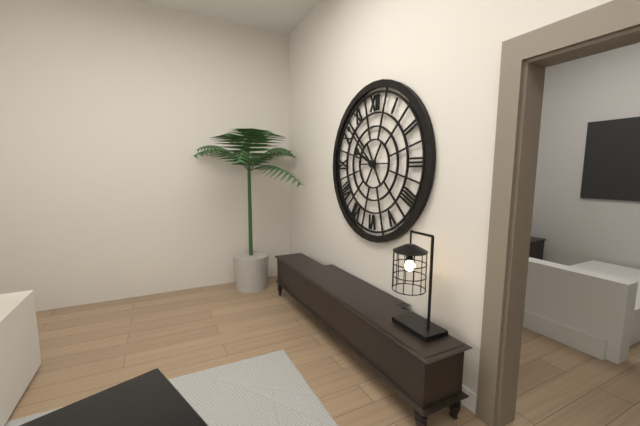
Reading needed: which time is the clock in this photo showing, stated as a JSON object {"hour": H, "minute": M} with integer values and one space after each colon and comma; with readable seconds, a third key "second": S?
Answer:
{"hour": 9, "minute": 52}
